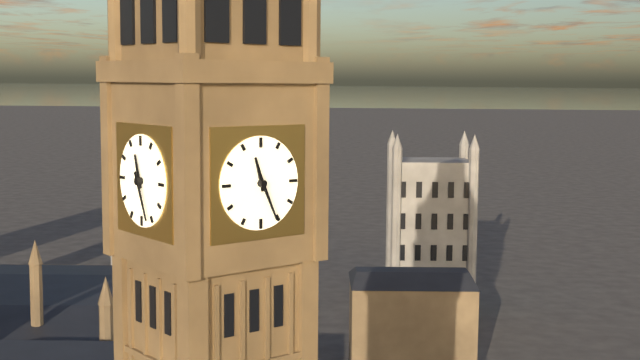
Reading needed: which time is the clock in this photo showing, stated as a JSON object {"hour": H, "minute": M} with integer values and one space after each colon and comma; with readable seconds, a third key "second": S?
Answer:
{"hour": 11, "minute": 26}
